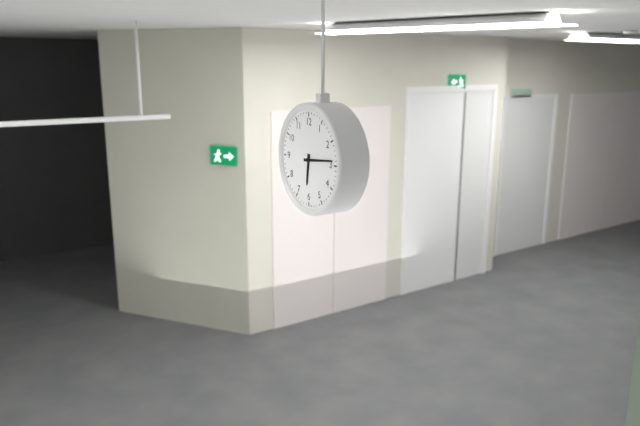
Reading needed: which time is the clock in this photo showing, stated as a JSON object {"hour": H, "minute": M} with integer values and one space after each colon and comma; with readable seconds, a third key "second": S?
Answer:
{"hour": 6, "minute": 14}
